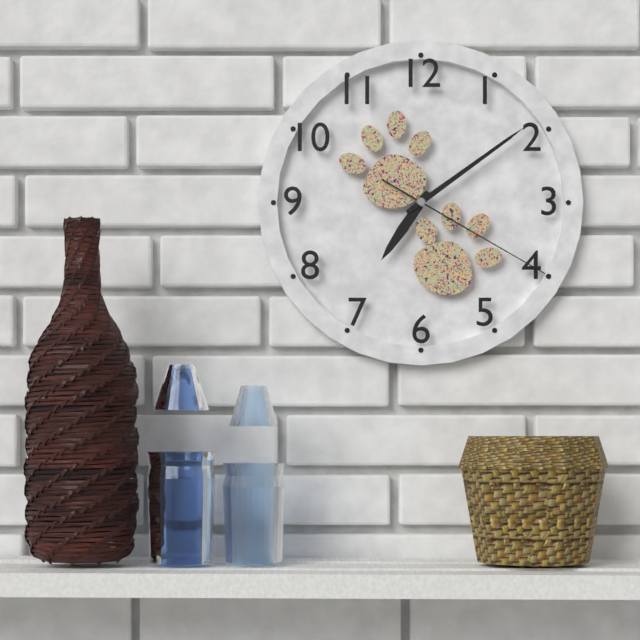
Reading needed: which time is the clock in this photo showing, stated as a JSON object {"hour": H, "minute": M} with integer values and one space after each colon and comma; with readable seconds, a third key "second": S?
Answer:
{"hour": 7, "minute": 9, "second": 20}
